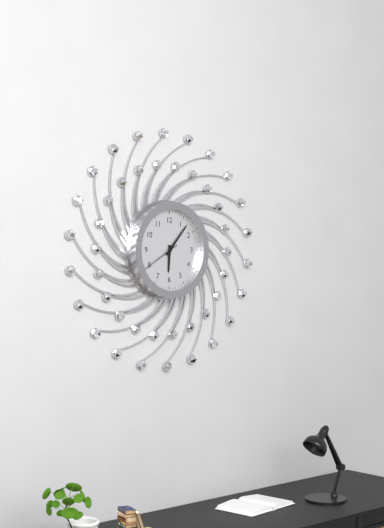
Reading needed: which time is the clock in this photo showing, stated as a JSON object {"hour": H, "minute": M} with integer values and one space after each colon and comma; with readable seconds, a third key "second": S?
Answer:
{"hour": 6, "minute": 7}
